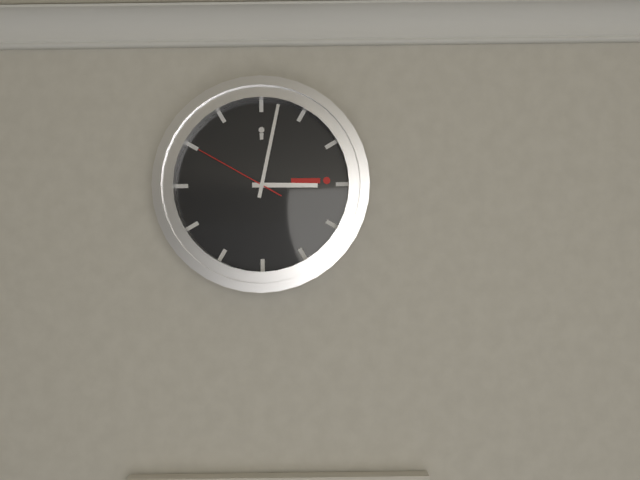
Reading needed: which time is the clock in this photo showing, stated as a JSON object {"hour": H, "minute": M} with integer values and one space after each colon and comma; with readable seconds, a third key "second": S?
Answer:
{"hour": 3, "minute": 2, "second": 50}
